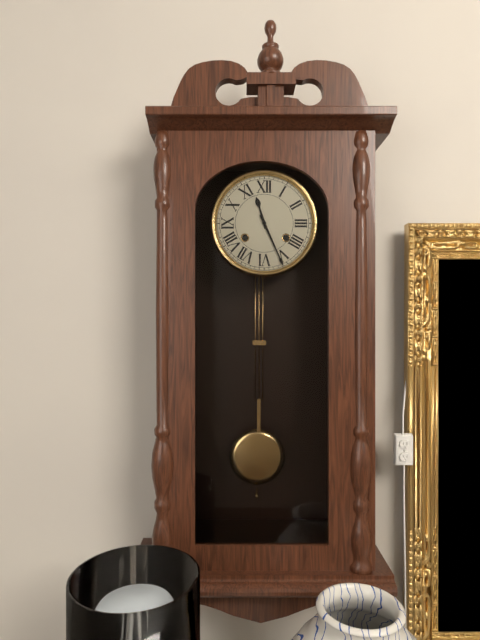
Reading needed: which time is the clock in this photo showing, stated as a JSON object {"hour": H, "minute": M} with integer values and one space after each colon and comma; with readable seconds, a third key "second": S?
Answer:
{"hour": 11, "minute": 26}
